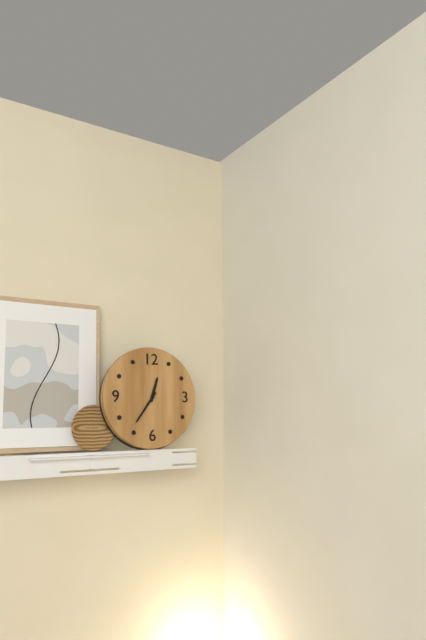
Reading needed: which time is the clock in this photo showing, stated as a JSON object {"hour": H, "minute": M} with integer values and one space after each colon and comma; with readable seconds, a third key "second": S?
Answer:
{"hour": 12, "minute": 36}
